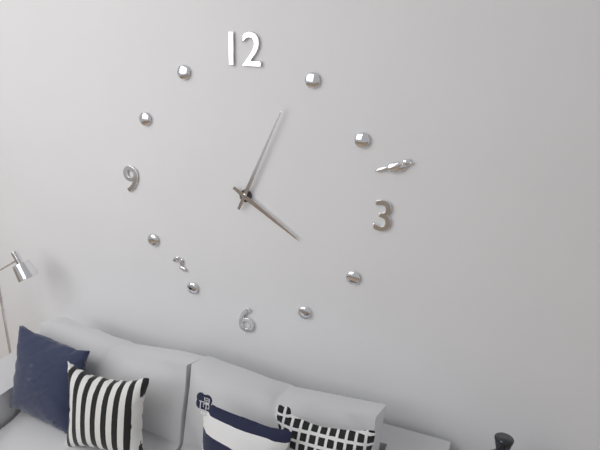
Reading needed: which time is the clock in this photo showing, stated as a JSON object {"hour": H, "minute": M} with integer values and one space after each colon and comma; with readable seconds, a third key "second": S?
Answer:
{"hour": 4, "minute": 4}
